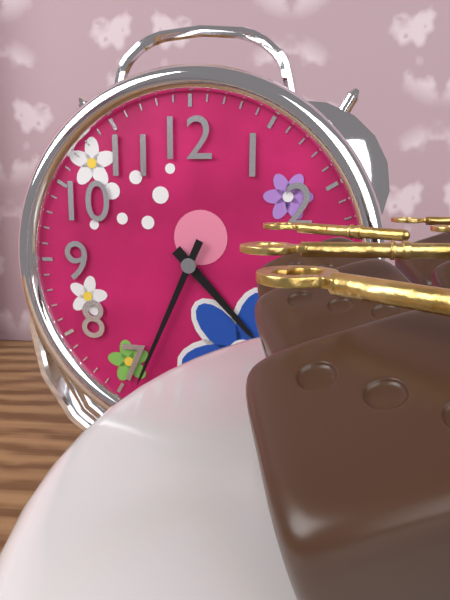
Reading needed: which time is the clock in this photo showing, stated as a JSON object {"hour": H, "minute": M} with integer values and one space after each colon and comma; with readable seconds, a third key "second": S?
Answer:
{"hour": 4, "minute": 34}
